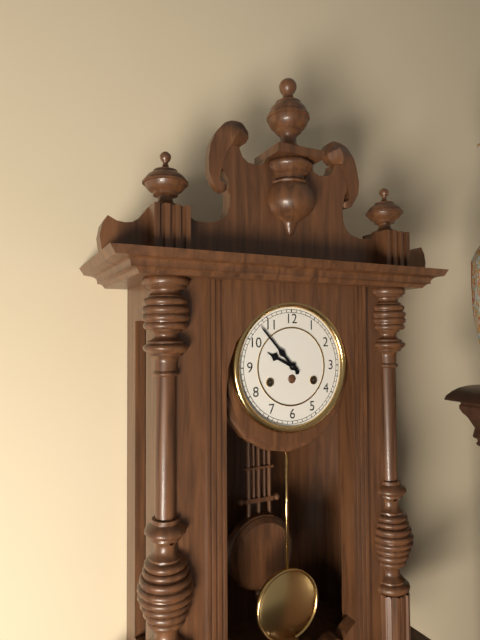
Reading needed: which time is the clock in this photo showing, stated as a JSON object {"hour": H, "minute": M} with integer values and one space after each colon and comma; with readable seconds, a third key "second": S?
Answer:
{"hour": 9, "minute": 53}
